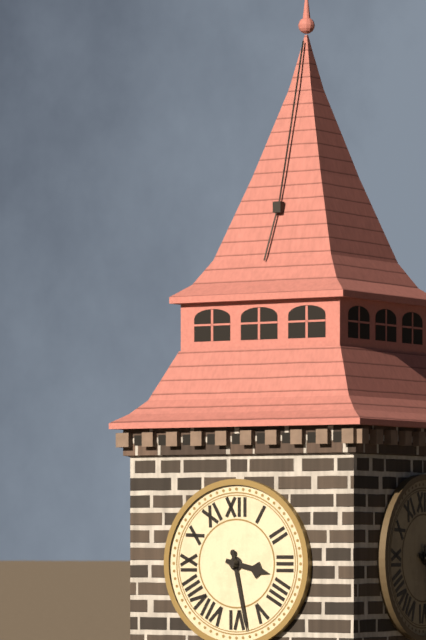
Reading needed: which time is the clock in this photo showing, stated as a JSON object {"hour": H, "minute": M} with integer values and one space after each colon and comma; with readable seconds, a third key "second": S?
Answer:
{"hour": 3, "minute": 28}
